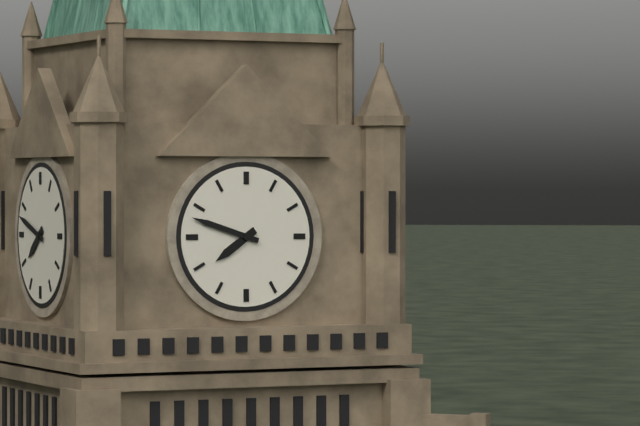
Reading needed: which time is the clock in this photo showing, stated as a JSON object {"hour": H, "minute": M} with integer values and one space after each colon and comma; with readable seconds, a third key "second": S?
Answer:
{"hour": 7, "minute": 48}
